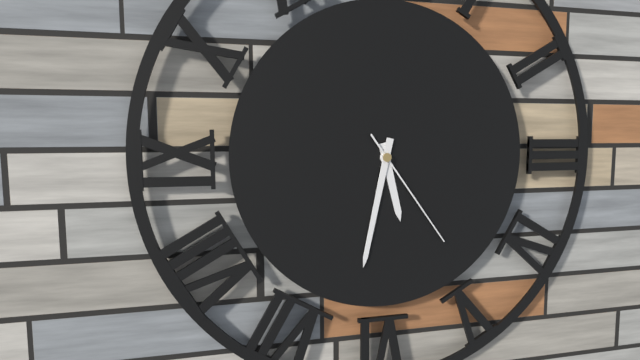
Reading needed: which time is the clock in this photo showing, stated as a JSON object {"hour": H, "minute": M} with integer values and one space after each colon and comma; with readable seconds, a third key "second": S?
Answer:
{"hour": 5, "minute": 32, "second": 24}
